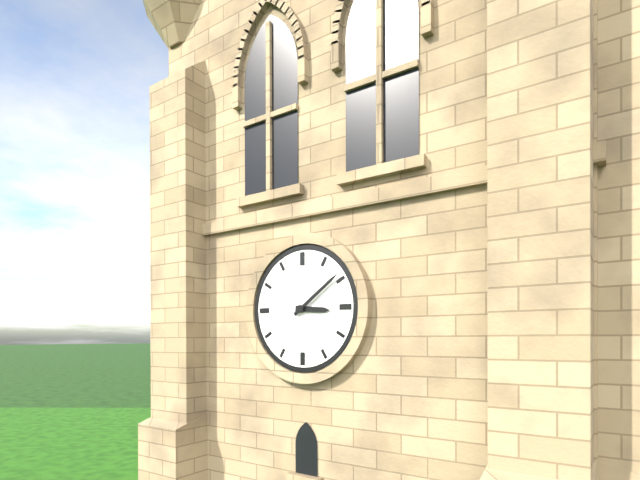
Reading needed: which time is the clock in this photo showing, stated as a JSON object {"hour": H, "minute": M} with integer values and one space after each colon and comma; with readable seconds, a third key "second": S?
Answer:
{"hour": 3, "minute": 9}
